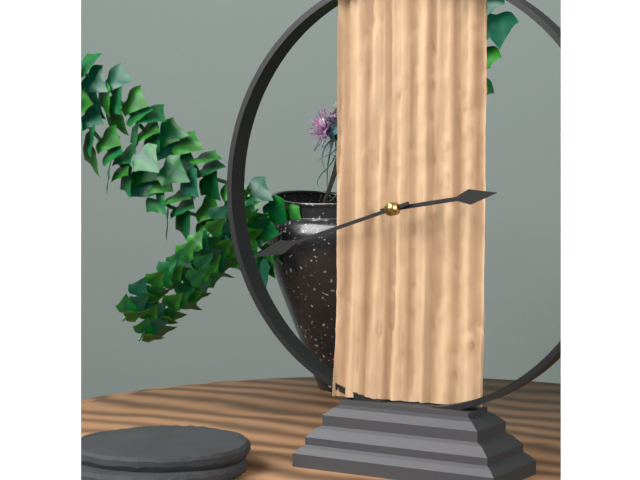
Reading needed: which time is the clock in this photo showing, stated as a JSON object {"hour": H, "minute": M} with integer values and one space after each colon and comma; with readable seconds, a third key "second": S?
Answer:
{"hour": 2, "minute": 42}
